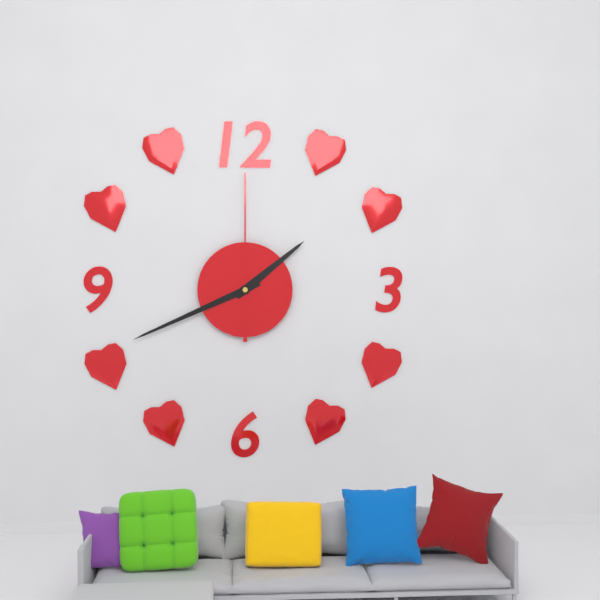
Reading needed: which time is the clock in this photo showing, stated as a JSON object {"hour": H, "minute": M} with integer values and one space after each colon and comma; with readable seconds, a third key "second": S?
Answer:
{"hour": 1, "minute": 41, "second": 0}
